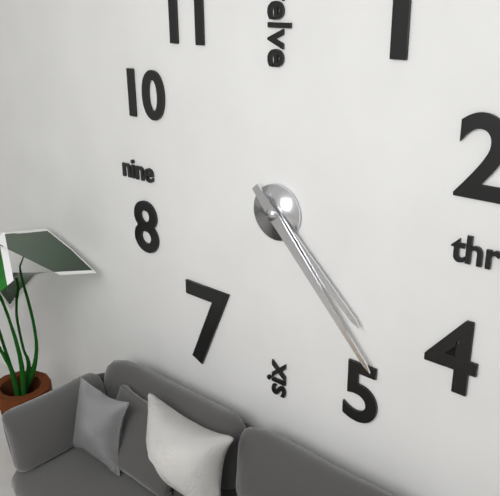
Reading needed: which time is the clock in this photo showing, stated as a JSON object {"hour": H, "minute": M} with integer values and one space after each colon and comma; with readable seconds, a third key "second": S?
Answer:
{"hour": 4, "minute": 23}
